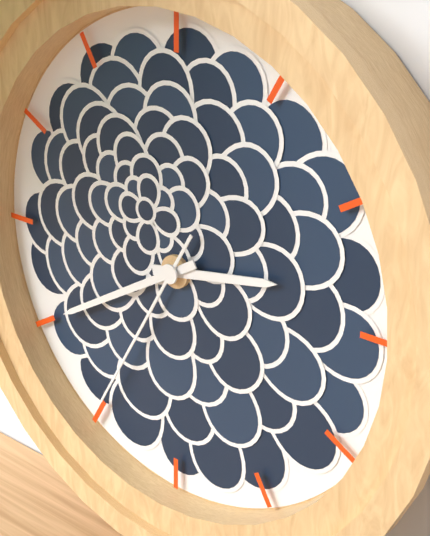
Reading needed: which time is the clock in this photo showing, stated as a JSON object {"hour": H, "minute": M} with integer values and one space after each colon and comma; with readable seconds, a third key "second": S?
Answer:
{"hour": 2, "minute": 40, "second": 35}
